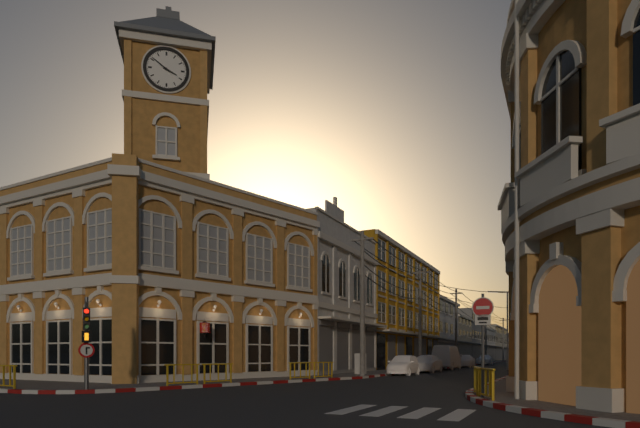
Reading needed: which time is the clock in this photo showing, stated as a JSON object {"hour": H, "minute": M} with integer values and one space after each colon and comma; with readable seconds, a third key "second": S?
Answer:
{"hour": 3, "minute": 51}
